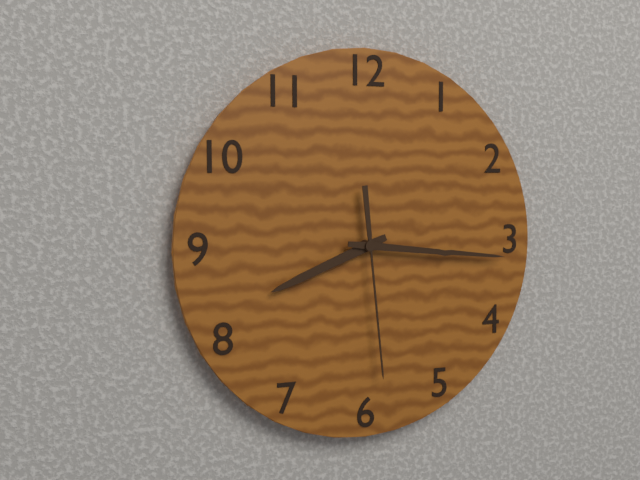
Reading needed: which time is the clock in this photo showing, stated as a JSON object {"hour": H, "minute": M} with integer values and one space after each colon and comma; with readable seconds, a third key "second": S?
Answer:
{"hour": 8, "minute": 16, "second": 29}
